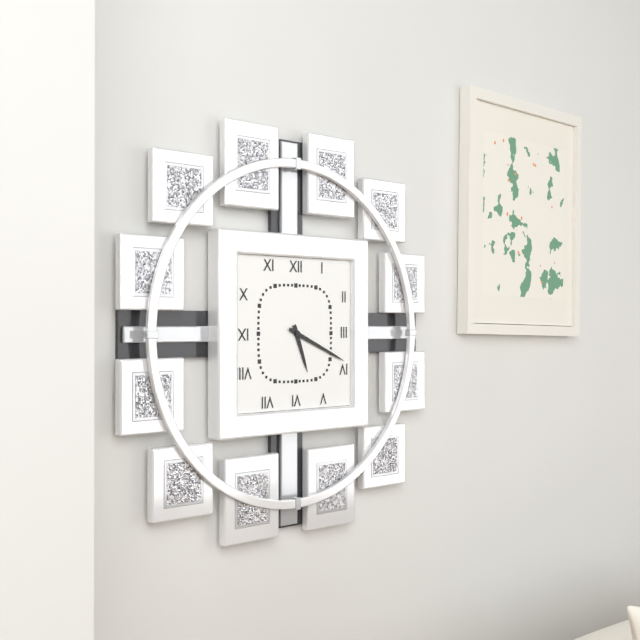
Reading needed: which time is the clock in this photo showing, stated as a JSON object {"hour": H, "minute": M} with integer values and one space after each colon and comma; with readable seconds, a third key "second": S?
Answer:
{"hour": 5, "minute": 19}
